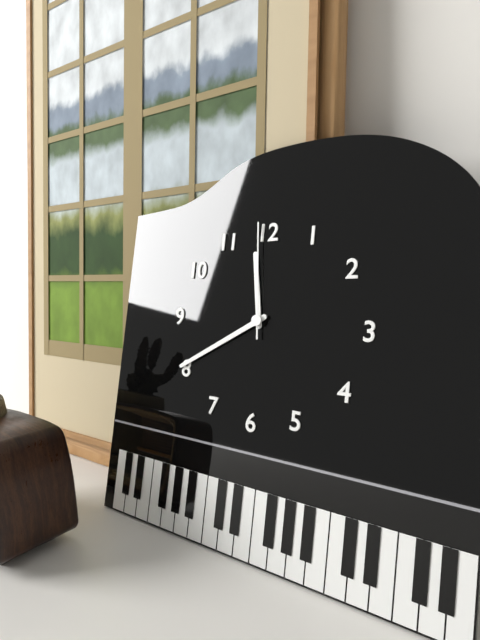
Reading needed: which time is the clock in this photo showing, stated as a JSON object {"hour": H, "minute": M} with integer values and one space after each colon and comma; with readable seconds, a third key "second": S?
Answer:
{"hour": 11, "minute": 40, "second": 59}
